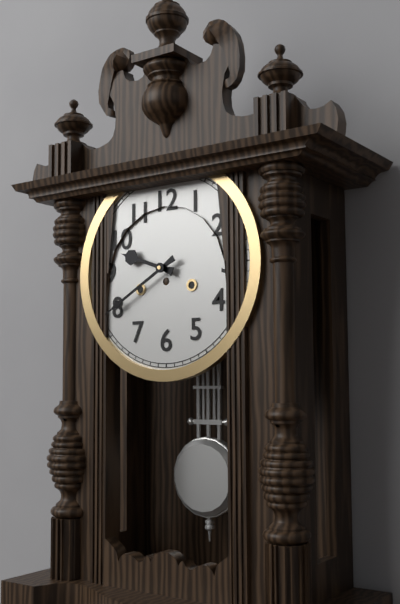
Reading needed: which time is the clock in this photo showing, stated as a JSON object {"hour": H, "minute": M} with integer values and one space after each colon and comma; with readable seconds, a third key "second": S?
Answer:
{"hour": 9, "minute": 40}
